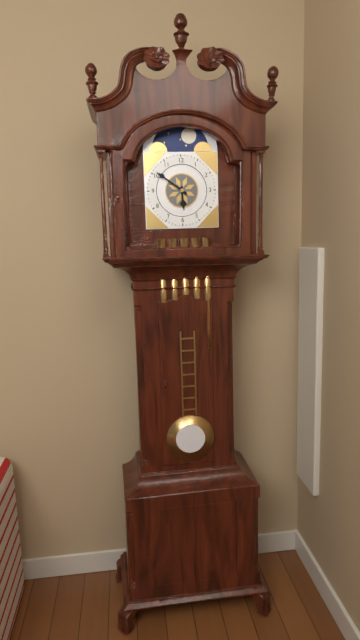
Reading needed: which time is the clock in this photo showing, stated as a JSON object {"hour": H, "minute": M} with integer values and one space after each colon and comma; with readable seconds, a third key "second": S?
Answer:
{"hour": 5, "minute": 51}
